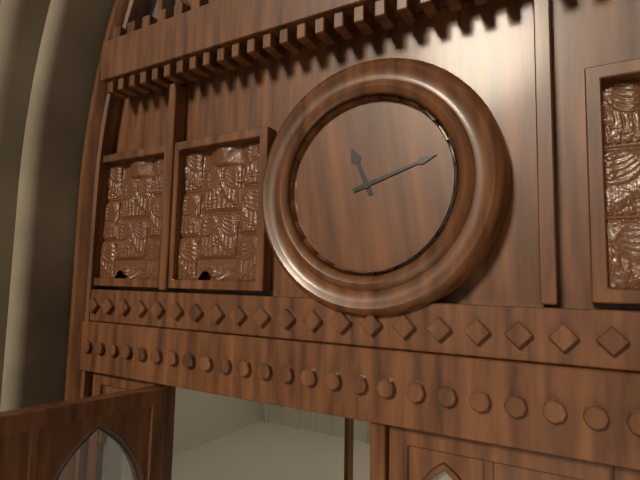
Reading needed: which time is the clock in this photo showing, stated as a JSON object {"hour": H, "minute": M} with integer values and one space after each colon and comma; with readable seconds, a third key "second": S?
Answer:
{"hour": 11, "minute": 12}
